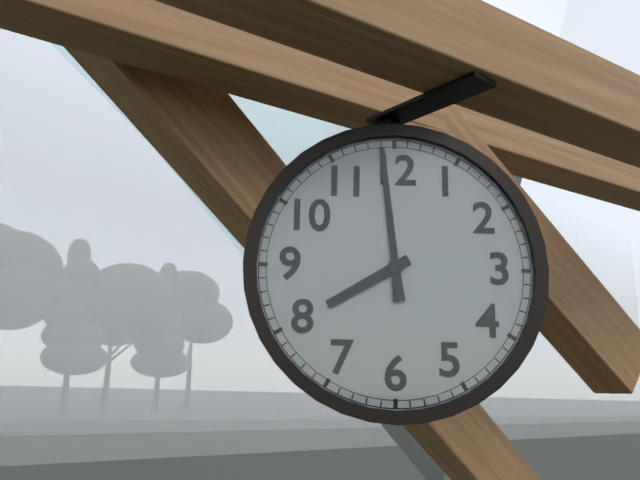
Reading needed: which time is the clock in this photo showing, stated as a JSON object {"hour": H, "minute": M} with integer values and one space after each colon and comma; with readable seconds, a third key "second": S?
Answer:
{"hour": 7, "minute": 59}
